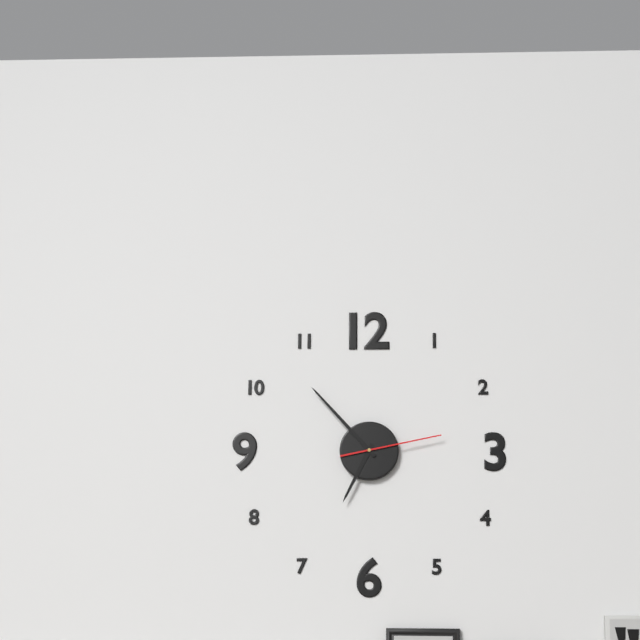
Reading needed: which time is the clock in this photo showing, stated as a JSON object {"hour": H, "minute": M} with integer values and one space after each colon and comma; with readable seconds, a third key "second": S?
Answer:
{"hour": 6, "minute": 53, "second": 13}
